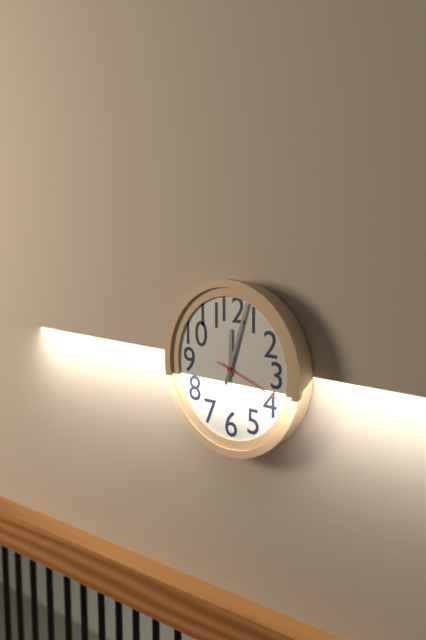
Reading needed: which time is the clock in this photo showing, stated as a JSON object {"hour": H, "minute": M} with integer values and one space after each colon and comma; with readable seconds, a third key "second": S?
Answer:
{"hour": 12, "minute": 3, "second": 18}
